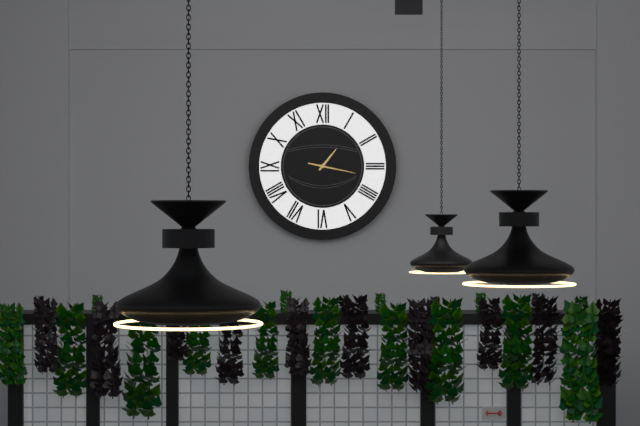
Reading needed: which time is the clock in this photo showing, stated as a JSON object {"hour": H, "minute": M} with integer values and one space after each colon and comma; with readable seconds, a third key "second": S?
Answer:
{"hour": 1, "minute": 17}
